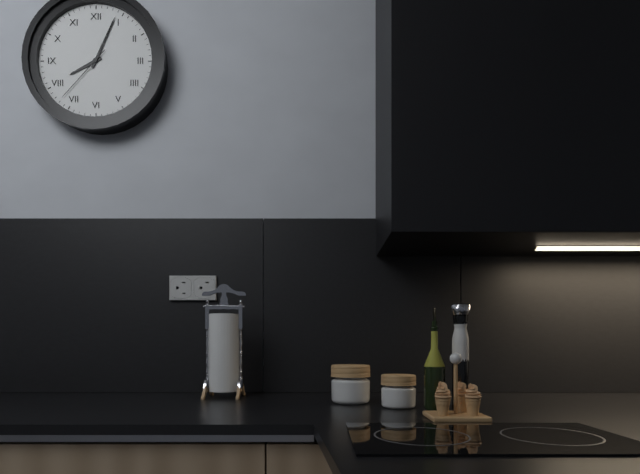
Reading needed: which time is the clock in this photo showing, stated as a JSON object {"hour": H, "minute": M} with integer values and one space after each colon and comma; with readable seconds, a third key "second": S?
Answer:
{"hour": 8, "minute": 4, "second": 37}
